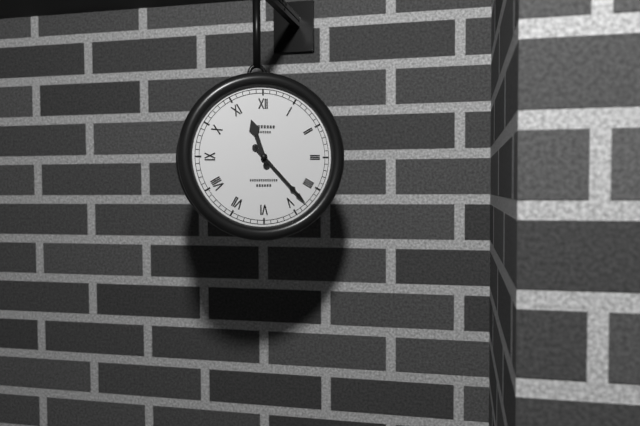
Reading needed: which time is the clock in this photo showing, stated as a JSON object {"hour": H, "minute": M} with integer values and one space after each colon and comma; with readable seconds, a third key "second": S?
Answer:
{"hour": 11, "minute": 23}
